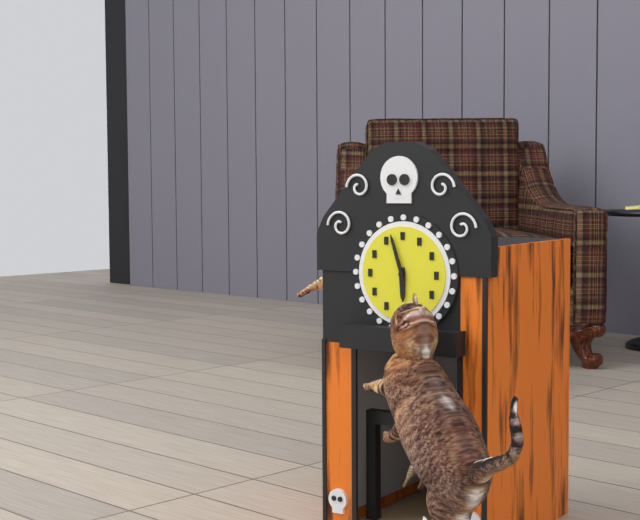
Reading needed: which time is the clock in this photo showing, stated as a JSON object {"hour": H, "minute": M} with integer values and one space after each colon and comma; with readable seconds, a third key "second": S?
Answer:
{"hour": 5, "minute": 57}
